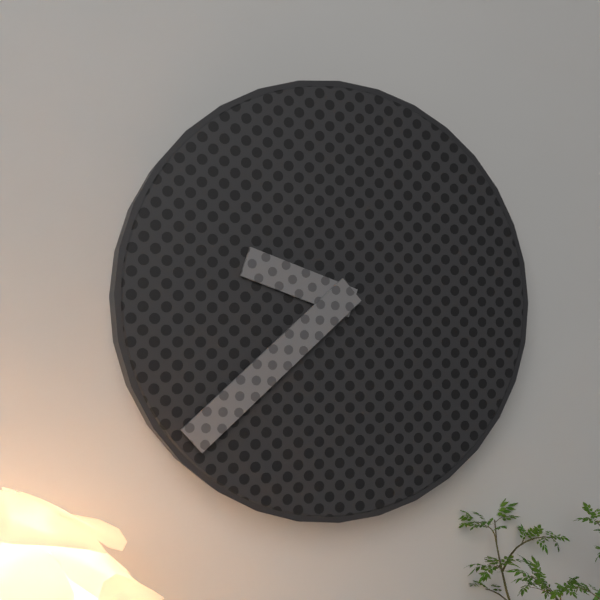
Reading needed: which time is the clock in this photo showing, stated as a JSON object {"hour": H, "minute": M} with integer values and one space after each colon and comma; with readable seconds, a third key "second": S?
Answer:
{"hour": 9, "minute": 38}
